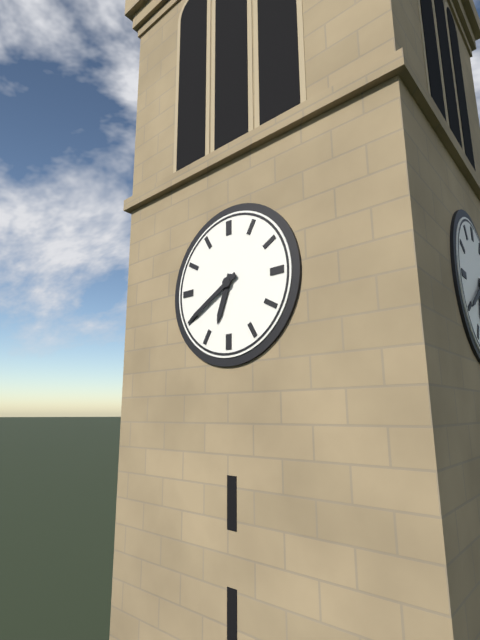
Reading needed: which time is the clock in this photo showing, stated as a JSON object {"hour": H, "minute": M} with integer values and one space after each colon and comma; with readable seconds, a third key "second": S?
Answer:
{"hour": 6, "minute": 40}
